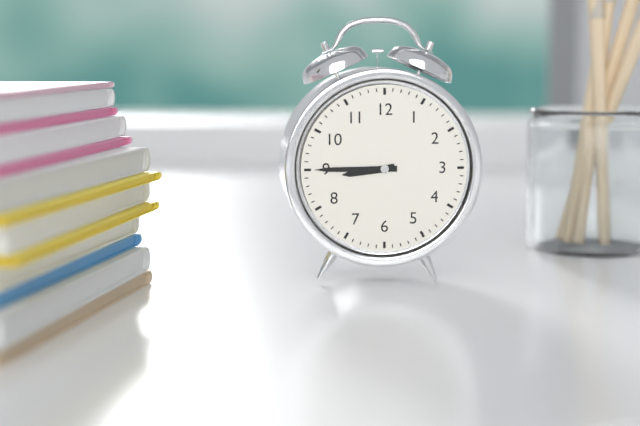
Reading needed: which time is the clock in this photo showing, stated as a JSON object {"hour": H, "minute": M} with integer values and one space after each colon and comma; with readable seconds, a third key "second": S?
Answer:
{"hour": 8, "minute": 45}
